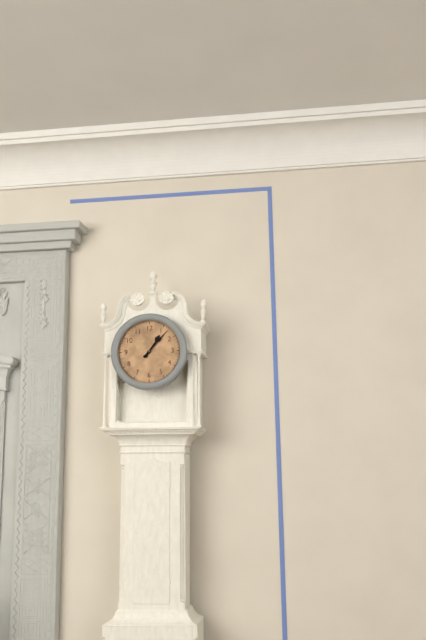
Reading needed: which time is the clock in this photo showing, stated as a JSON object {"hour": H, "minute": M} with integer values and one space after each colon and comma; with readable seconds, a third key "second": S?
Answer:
{"hour": 1, "minute": 7}
